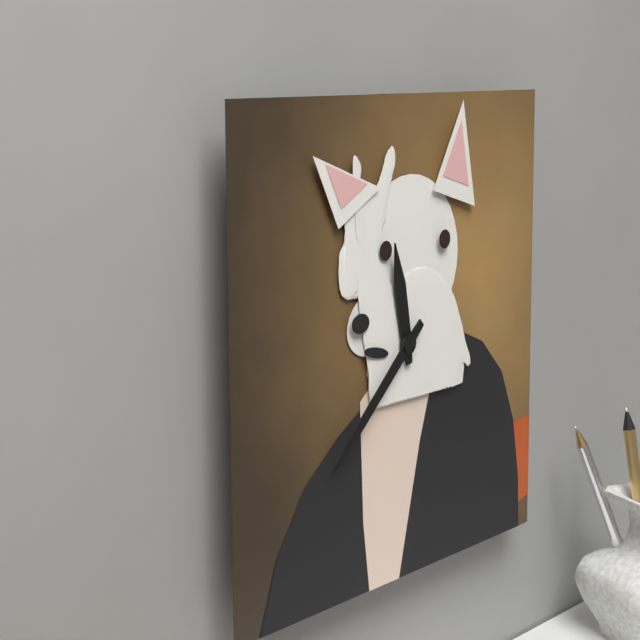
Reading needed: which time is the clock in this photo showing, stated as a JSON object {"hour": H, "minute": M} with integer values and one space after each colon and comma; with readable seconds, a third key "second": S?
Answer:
{"hour": 11, "minute": 38}
